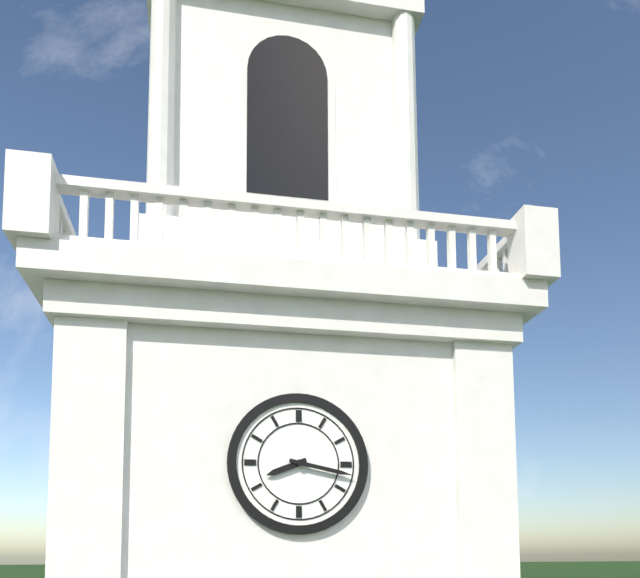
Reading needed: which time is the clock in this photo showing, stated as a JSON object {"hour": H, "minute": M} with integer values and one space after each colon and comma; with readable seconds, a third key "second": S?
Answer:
{"hour": 8, "minute": 17}
